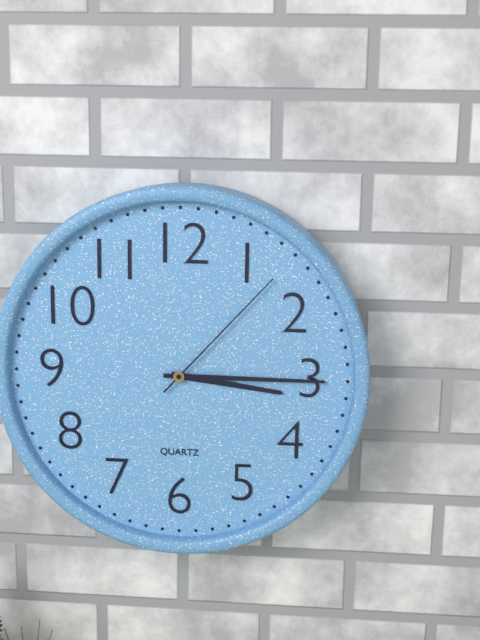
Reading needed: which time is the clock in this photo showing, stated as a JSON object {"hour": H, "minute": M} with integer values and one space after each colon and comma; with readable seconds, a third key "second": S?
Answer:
{"hour": 3, "minute": 15, "second": 7}
